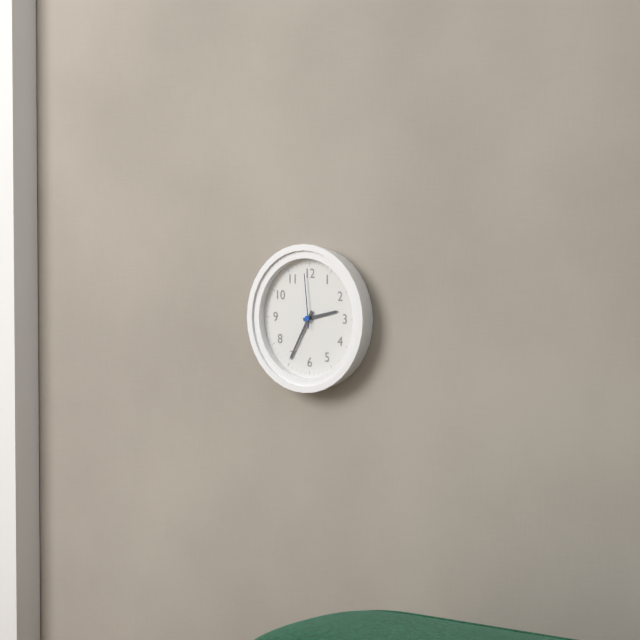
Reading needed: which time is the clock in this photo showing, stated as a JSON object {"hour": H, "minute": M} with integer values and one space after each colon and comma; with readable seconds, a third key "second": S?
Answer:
{"hour": 2, "minute": 35, "second": 59}
